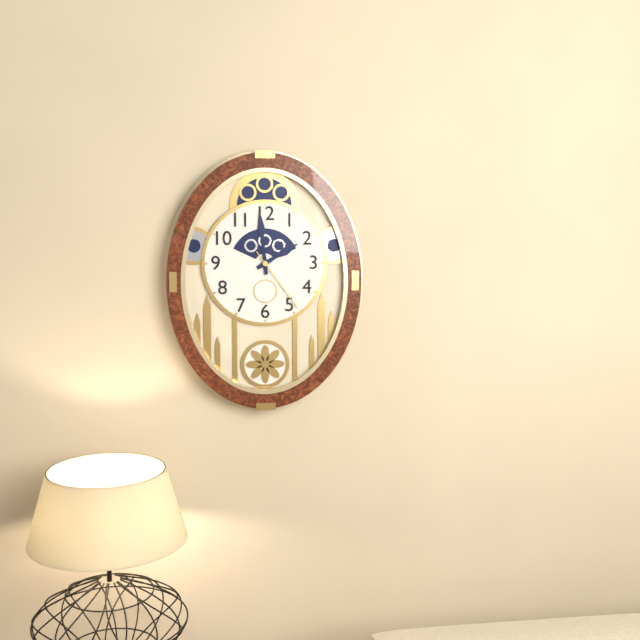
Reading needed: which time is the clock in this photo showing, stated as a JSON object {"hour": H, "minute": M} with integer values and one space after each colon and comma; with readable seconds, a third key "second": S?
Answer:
{"hour": 1, "minute": 59, "second": 24}
